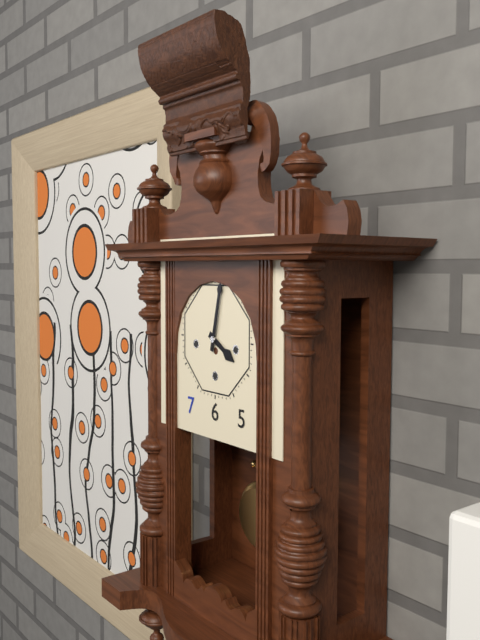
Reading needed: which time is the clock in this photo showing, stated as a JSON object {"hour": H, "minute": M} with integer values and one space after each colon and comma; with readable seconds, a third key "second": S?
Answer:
{"hour": 4, "minute": 2}
